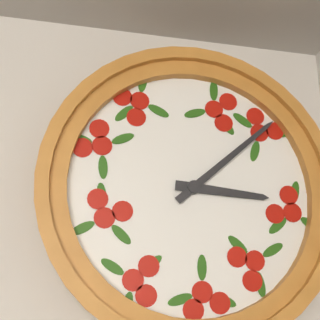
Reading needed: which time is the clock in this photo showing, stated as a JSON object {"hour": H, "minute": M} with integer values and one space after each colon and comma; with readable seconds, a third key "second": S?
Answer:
{"hour": 3, "minute": 8}
